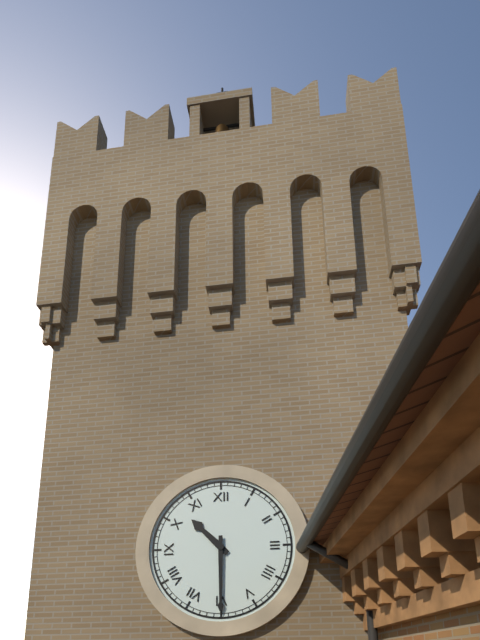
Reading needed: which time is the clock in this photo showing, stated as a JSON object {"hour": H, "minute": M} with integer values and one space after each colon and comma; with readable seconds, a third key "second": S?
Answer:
{"hour": 10, "minute": 30}
